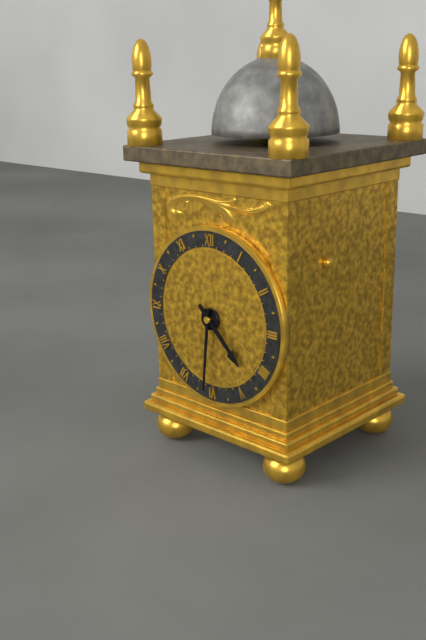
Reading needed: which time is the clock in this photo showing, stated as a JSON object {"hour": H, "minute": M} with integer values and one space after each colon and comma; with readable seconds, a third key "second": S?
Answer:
{"hour": 4, "minute": 31}
